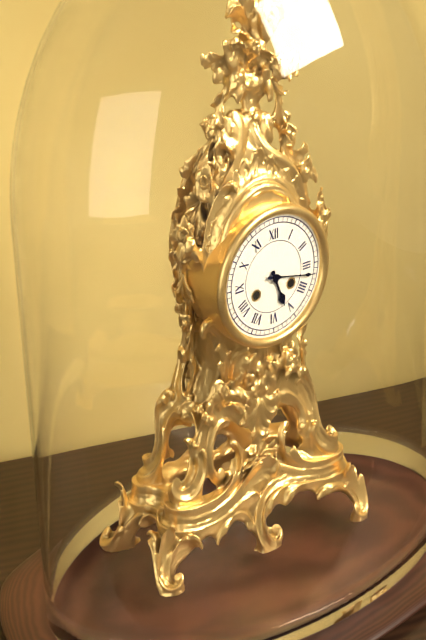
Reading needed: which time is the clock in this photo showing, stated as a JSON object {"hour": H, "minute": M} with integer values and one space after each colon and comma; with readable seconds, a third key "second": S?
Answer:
{"hour": 5, "minute": 17}
